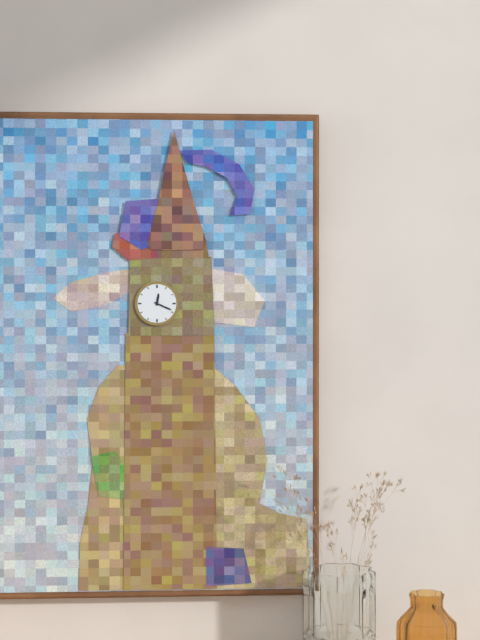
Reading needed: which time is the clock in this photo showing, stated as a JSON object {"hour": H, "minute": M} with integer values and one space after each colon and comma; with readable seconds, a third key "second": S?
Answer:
{"hour": 12, "minute": 19}
